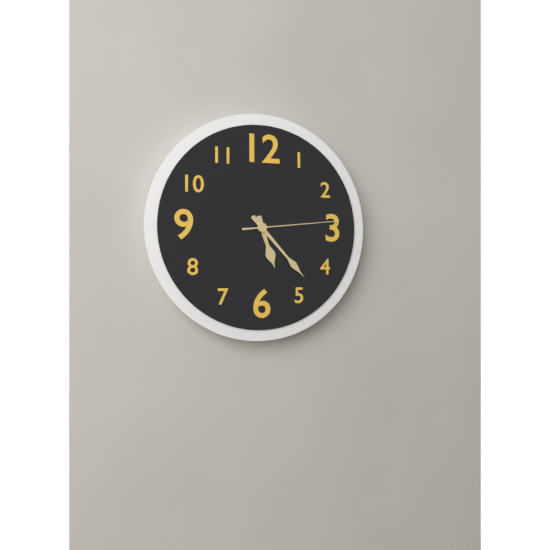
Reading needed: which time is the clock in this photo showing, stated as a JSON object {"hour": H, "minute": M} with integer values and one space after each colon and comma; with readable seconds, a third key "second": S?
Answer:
{"hour": 5, "minute": 23, "second": 14}
